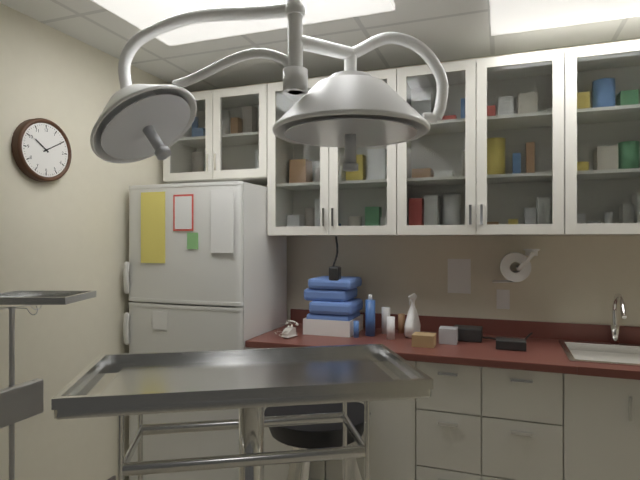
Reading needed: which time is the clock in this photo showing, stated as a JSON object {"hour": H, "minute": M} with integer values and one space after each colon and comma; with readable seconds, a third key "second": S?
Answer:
{"hour": 10, "minute": 10}
